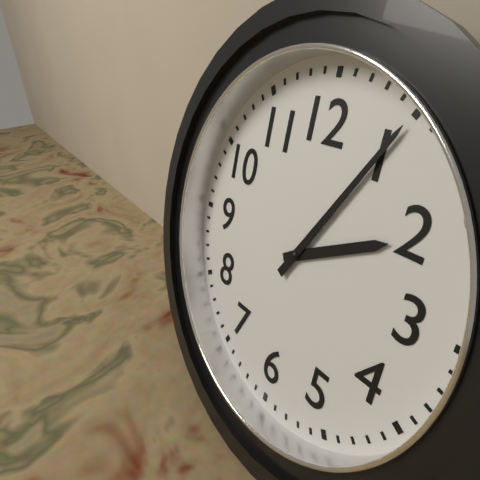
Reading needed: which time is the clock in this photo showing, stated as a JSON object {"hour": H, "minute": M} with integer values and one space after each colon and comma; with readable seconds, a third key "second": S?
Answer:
{"hour": 2, "minute": 5}
